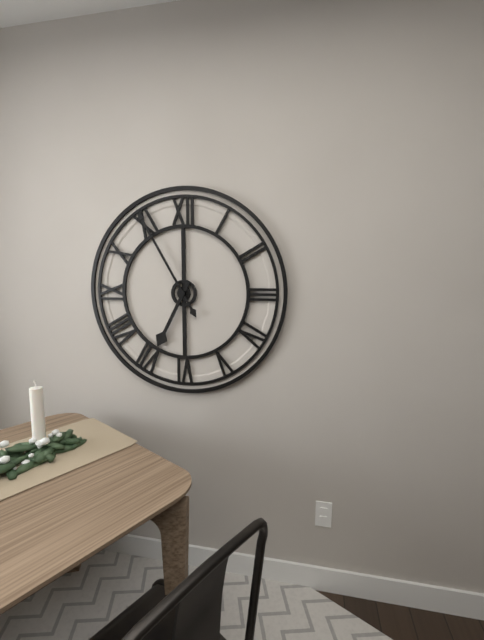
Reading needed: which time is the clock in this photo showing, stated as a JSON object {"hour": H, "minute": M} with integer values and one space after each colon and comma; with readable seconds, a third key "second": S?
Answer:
{"hour": 6, "minute": 55}
